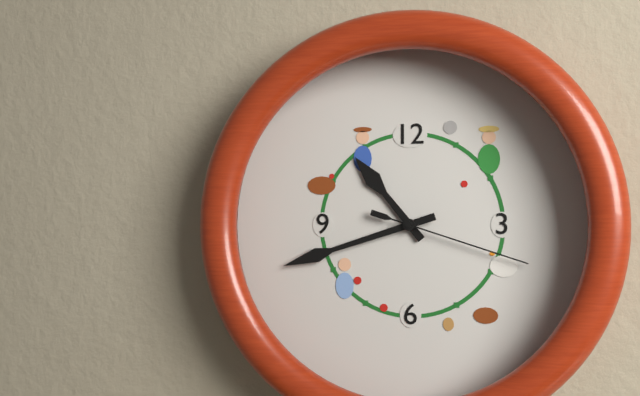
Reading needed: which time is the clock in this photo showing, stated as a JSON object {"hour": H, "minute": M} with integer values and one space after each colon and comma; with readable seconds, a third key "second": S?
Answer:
{"hour": 10, "minute": 42, "second": 18}
